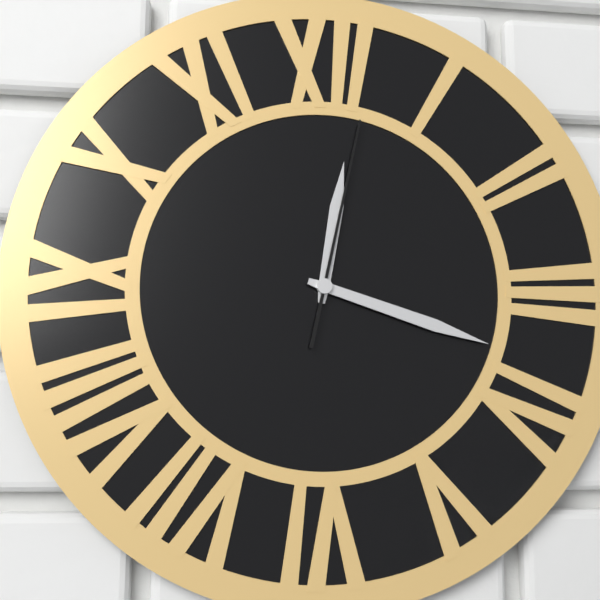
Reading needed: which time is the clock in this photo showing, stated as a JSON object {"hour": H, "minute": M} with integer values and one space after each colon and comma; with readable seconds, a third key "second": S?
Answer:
{"hour": 12, "minute": 18, "second": 2}
